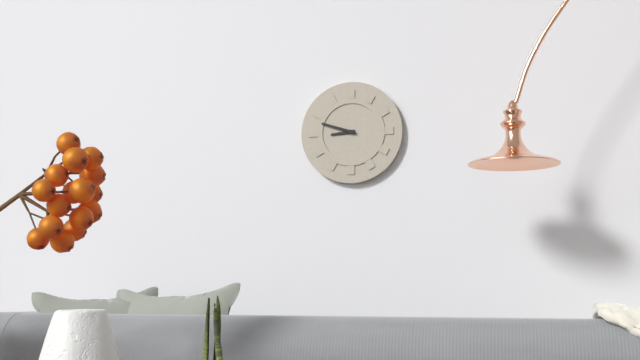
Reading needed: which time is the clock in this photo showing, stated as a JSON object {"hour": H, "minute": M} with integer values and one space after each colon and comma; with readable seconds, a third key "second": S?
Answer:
{"hour": 8, "minute": 48}
